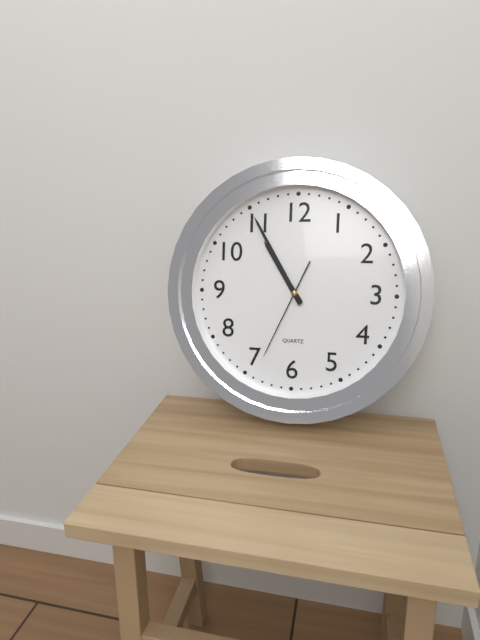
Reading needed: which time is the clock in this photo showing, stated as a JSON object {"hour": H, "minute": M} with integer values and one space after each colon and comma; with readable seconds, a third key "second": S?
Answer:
{"hour": 10, "minute": 55, "second": 34}
